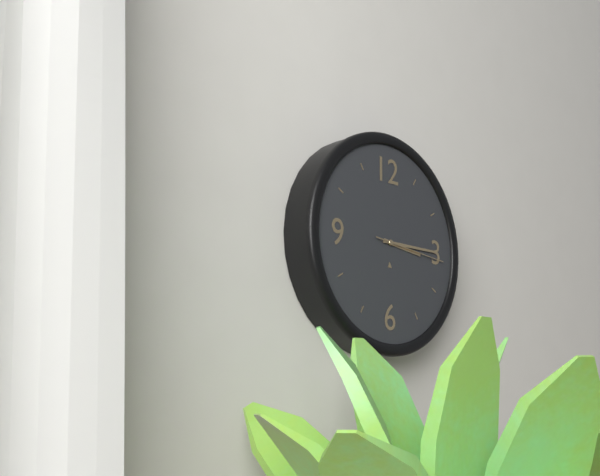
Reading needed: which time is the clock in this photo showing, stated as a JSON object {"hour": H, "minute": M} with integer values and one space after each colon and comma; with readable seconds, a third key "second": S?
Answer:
{"hour": 3, "minute": 15, "second": 16}
